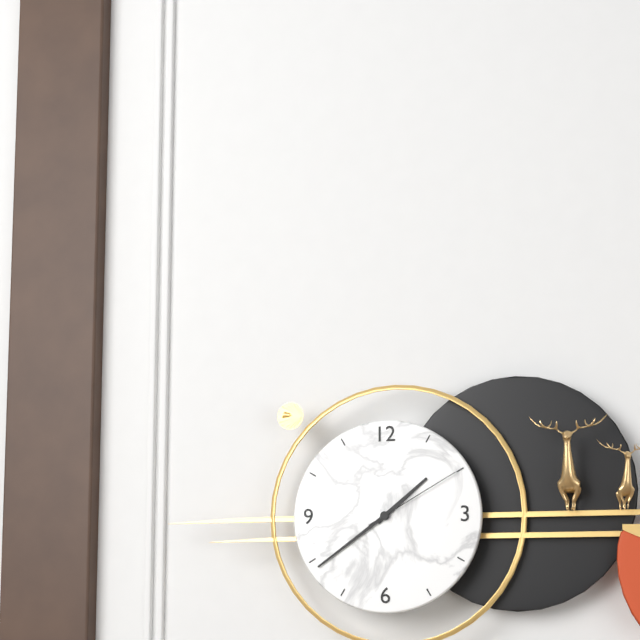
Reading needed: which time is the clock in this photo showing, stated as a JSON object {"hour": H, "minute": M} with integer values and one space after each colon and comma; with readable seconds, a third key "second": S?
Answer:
{"hour": 1, "minute": 39, "second": 10}
